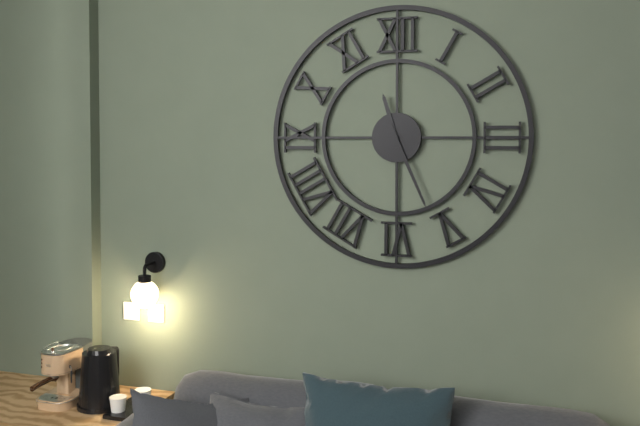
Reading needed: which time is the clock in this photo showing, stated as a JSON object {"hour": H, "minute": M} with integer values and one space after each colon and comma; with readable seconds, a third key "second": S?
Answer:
{"hour": 11, "minute": 26}
